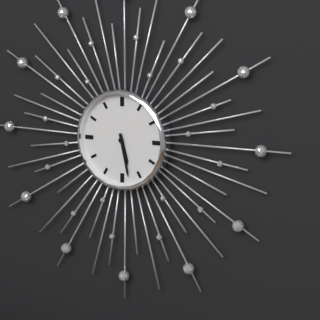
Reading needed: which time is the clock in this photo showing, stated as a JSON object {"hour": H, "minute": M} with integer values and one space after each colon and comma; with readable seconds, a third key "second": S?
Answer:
{"hour": 5, "minute": 28}
